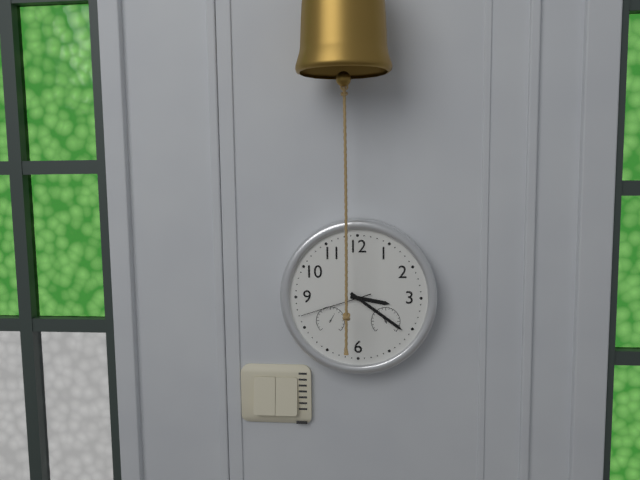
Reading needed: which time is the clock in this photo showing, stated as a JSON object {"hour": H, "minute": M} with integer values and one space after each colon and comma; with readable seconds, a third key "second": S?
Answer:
{"hour": 3, "minute": 21, "second": 42}
